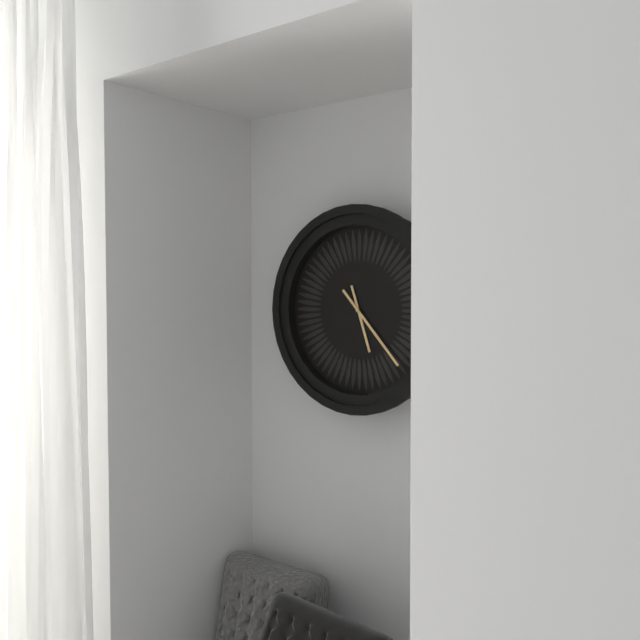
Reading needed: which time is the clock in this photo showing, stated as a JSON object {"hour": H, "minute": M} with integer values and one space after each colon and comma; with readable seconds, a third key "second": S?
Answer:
{"hour": 5, "minute": 23}
